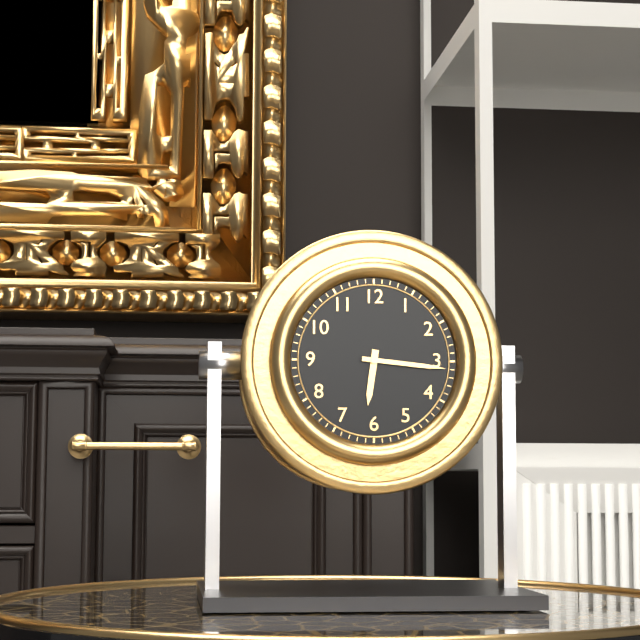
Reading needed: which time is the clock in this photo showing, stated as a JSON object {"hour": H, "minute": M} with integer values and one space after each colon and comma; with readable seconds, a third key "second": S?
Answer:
{"hour": 6, "minute": 16}
